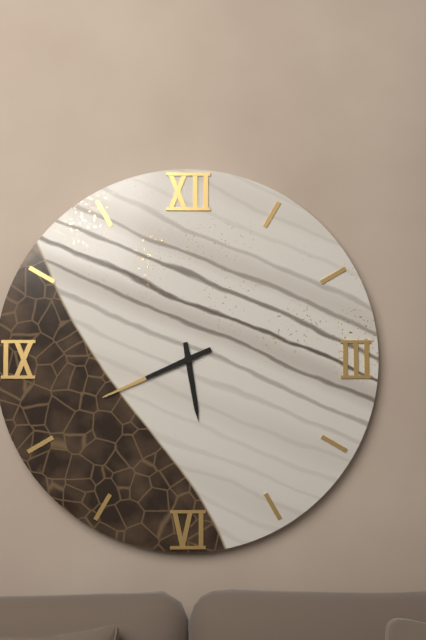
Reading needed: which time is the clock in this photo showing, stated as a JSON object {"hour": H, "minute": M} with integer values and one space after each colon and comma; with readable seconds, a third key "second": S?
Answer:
{"hour": 5, "minute": 41}
